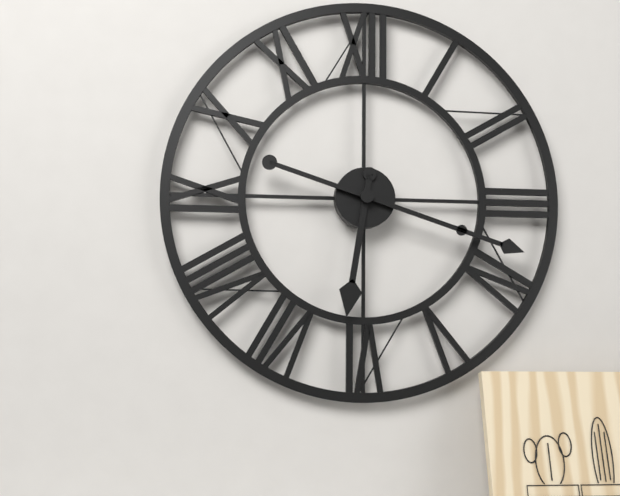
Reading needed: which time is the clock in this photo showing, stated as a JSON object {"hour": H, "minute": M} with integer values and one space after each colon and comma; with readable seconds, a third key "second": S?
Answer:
{"hour": 6, "minute": 18}
